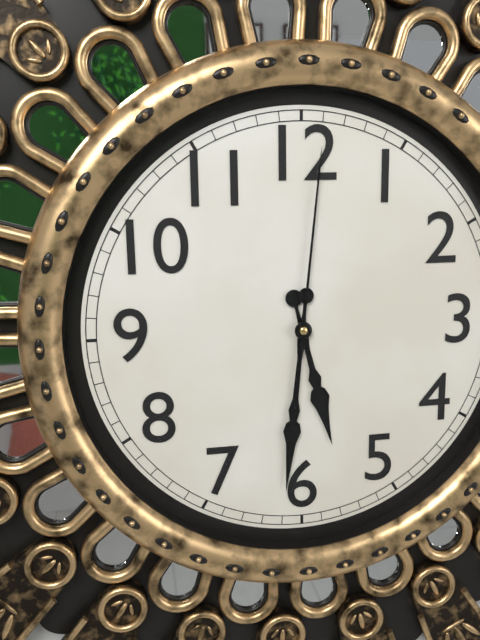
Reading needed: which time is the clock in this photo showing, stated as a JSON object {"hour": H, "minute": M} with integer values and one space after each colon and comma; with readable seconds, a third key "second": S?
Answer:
{"hour": 5, "minute": 31, "second": 1}
